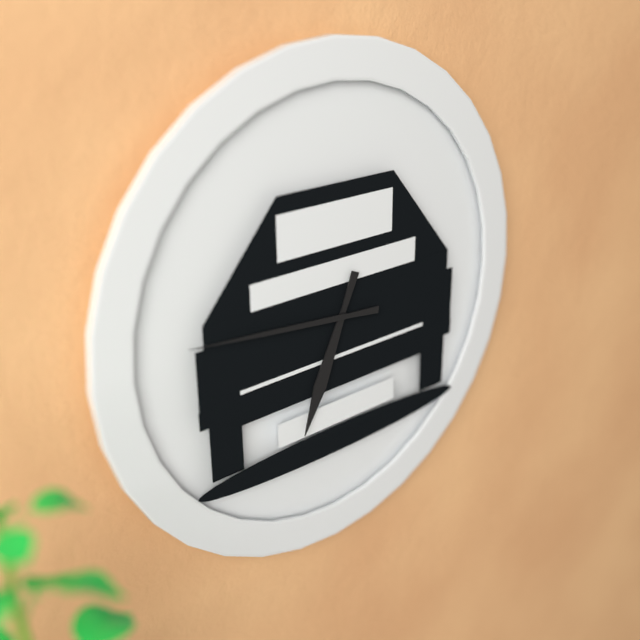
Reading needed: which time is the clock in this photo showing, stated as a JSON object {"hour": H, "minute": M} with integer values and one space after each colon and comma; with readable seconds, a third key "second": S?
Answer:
{"hour": 6, "minute": 46}
